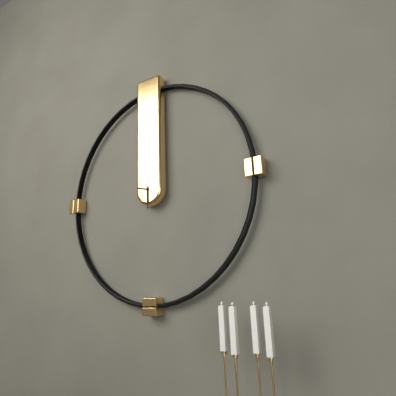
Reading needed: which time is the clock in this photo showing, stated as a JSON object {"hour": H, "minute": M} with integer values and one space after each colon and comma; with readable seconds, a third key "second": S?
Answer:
{"hour": 9, "minute": 30}
